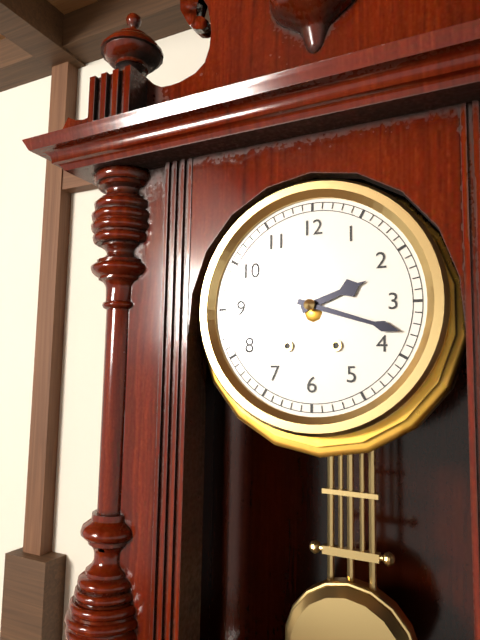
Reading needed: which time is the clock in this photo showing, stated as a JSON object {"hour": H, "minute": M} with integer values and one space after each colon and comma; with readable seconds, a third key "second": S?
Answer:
{"hour": 2, "minute": 18}
